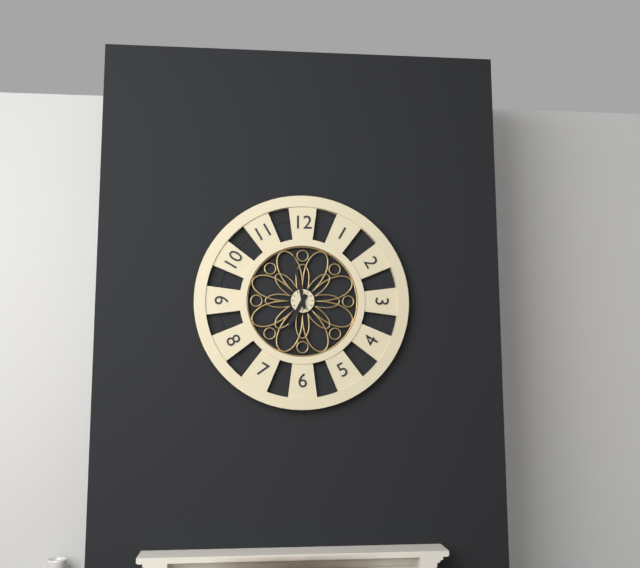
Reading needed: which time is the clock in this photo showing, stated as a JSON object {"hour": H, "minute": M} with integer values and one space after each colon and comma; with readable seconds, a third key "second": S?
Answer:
{"hour": 6, "minute": 58}
